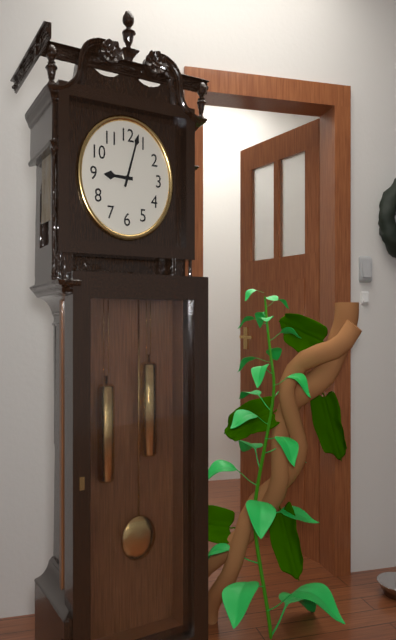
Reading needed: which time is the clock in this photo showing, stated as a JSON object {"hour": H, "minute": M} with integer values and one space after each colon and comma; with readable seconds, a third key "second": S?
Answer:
{"hour": 9, "minute": 3}
